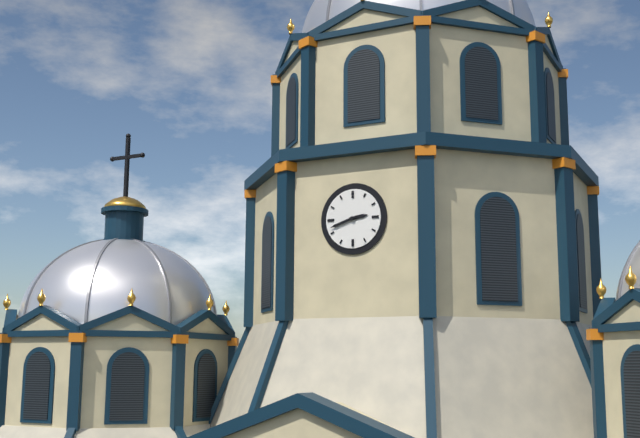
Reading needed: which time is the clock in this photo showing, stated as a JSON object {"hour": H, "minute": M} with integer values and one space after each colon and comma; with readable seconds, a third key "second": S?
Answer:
{"hour": 2, "minute": 42}
